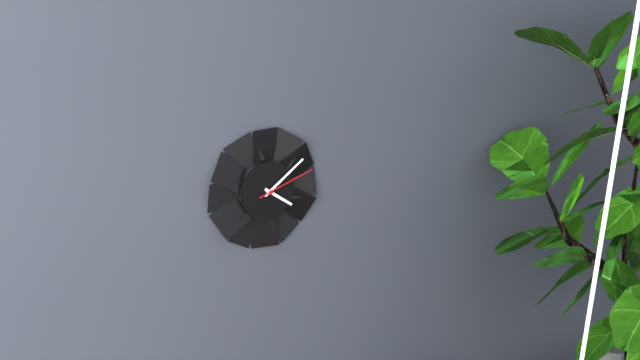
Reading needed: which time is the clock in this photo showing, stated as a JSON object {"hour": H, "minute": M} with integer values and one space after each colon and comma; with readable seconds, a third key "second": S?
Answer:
{"hour": 4, "minute": 9, "second": 12}
